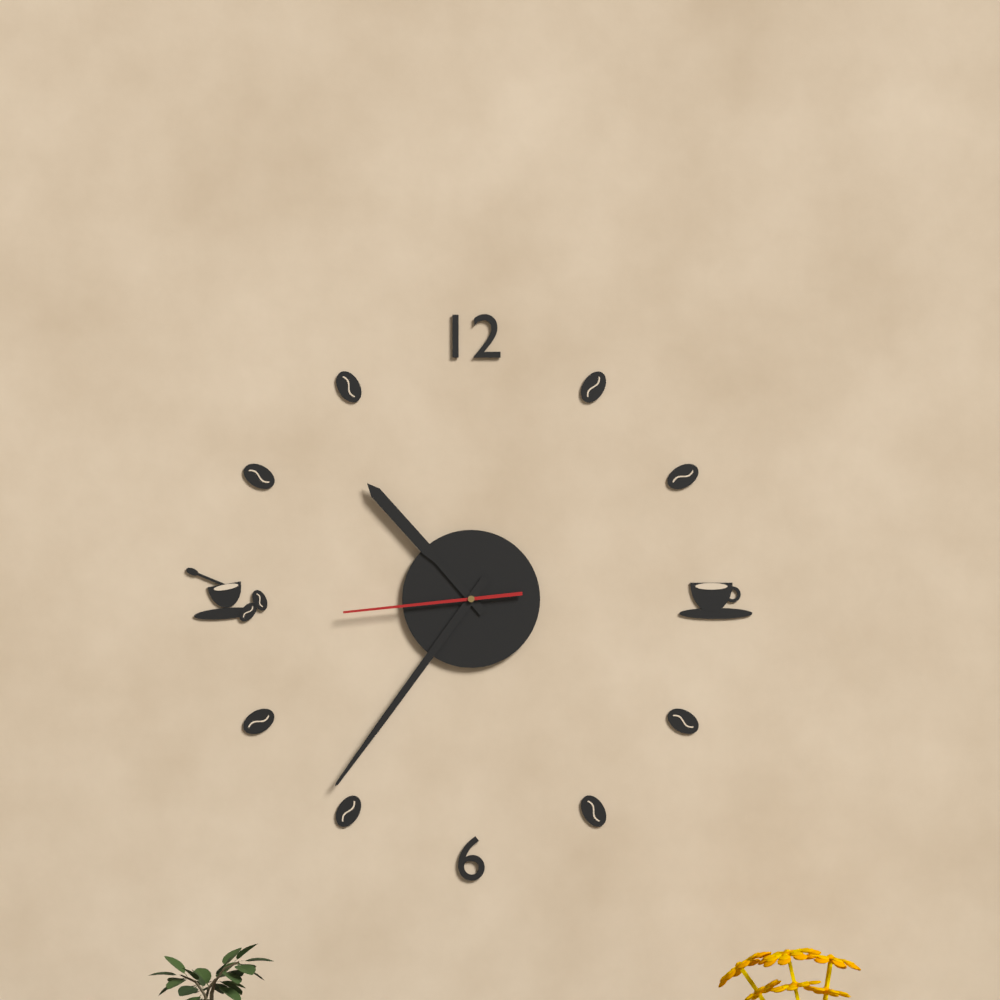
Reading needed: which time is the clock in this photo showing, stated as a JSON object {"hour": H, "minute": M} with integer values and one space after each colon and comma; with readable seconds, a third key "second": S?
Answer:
{"hour": 10, "minute": 36, "second": 44}
